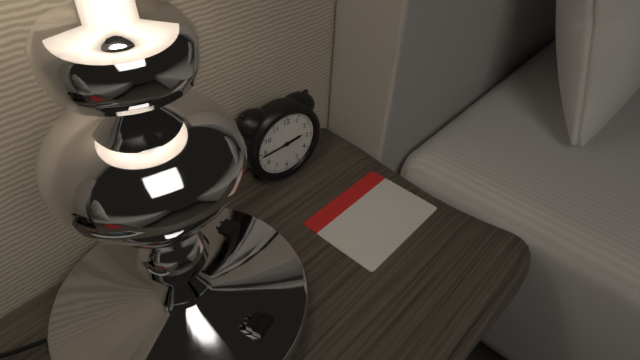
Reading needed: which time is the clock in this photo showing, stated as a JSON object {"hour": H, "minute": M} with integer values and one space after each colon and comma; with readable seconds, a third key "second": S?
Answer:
{"hour": 2, "minute": 44}
